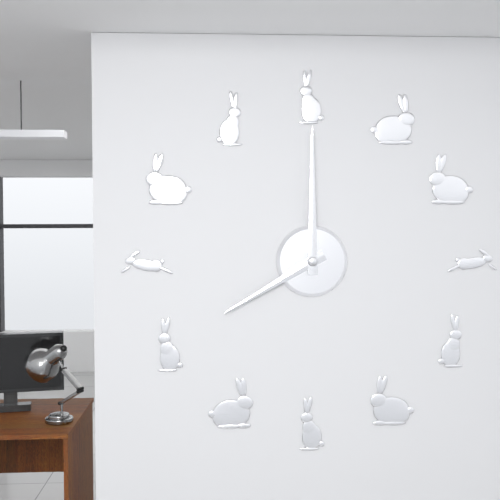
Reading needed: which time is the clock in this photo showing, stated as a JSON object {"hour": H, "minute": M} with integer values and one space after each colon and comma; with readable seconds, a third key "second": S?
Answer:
{"hour": 8, "minute": 0}
